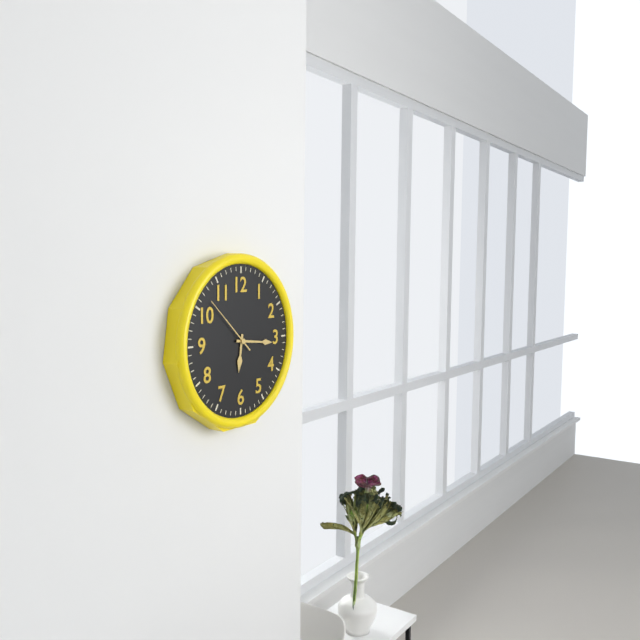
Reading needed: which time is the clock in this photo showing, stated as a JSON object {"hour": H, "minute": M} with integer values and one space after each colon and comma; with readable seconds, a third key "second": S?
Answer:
{"hour": 6, "minute": 16, "second": 52}
